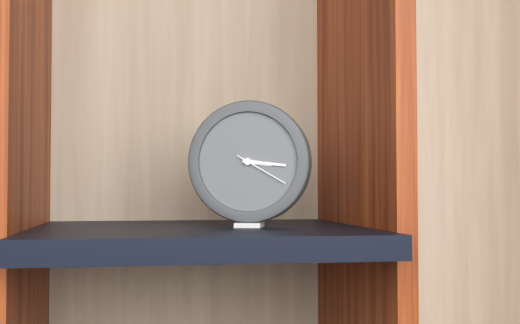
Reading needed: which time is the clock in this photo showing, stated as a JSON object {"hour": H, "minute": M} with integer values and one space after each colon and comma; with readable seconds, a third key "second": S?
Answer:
{"hour": 3, "minute": 16, "second": 20}
